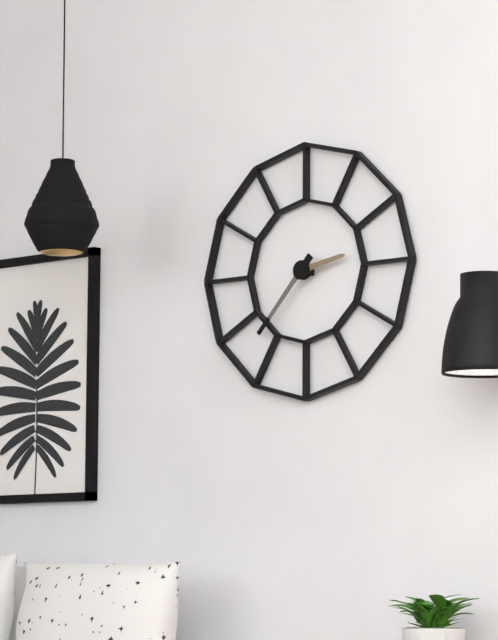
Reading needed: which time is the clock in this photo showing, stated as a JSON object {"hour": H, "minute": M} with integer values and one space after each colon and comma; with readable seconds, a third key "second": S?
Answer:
{"hour": 2, "minute": 37}
